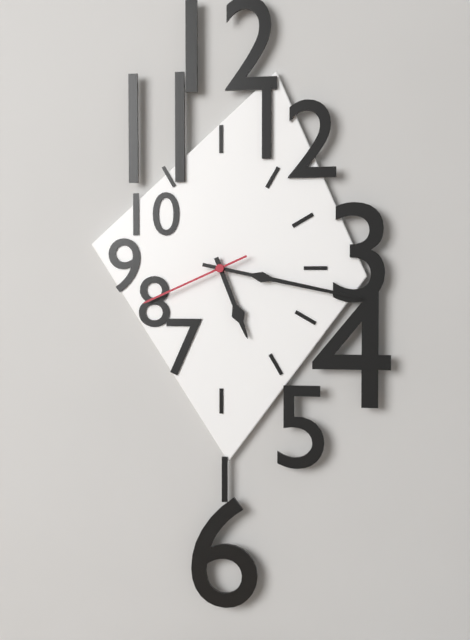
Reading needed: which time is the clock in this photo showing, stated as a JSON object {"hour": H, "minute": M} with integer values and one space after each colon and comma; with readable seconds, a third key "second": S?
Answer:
{"hour": 5, "minute": 17, "second": 41}
